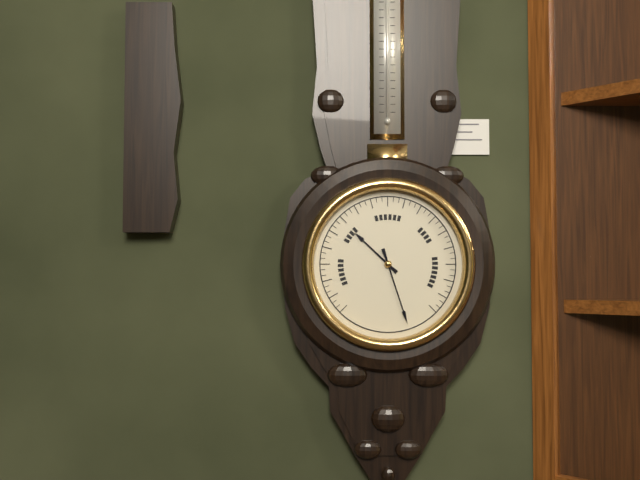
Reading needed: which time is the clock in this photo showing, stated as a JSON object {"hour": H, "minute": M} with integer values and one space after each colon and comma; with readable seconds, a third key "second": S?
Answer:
{"hour": 10, "minute": 27}
